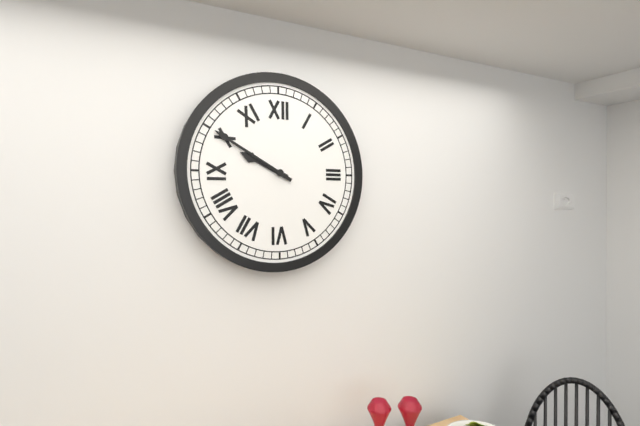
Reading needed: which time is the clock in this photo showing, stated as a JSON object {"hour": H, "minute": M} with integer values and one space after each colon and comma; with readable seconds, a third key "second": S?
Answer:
{"hour": 9, "minute": 50}
